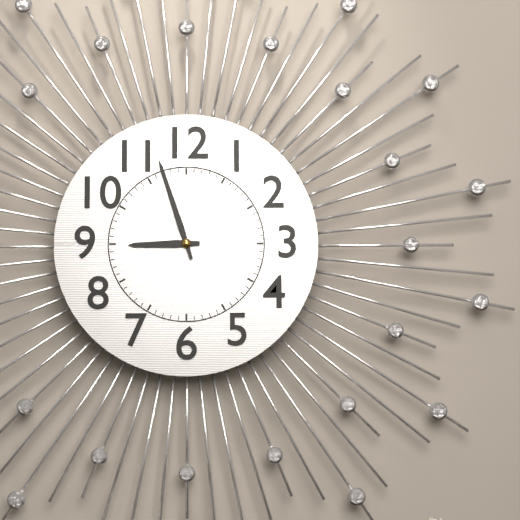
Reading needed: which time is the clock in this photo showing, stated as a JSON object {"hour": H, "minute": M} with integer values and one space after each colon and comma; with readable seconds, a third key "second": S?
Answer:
{"hour": 8, "minute": 57}
